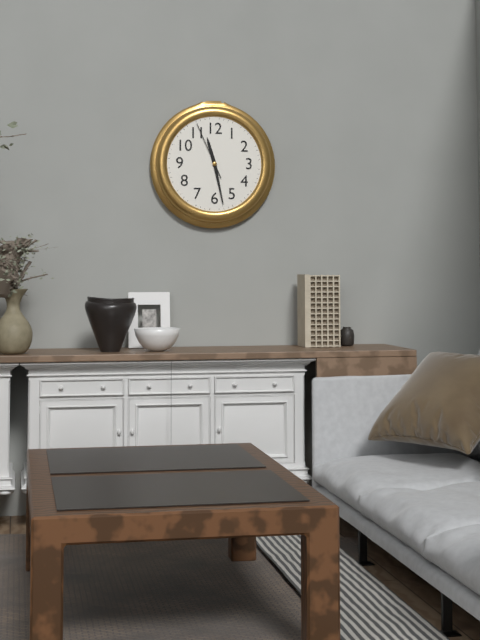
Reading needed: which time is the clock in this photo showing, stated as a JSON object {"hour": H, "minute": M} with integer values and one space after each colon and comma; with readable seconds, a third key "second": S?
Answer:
{"hour": 11, "minute": 28, "second": 56}
